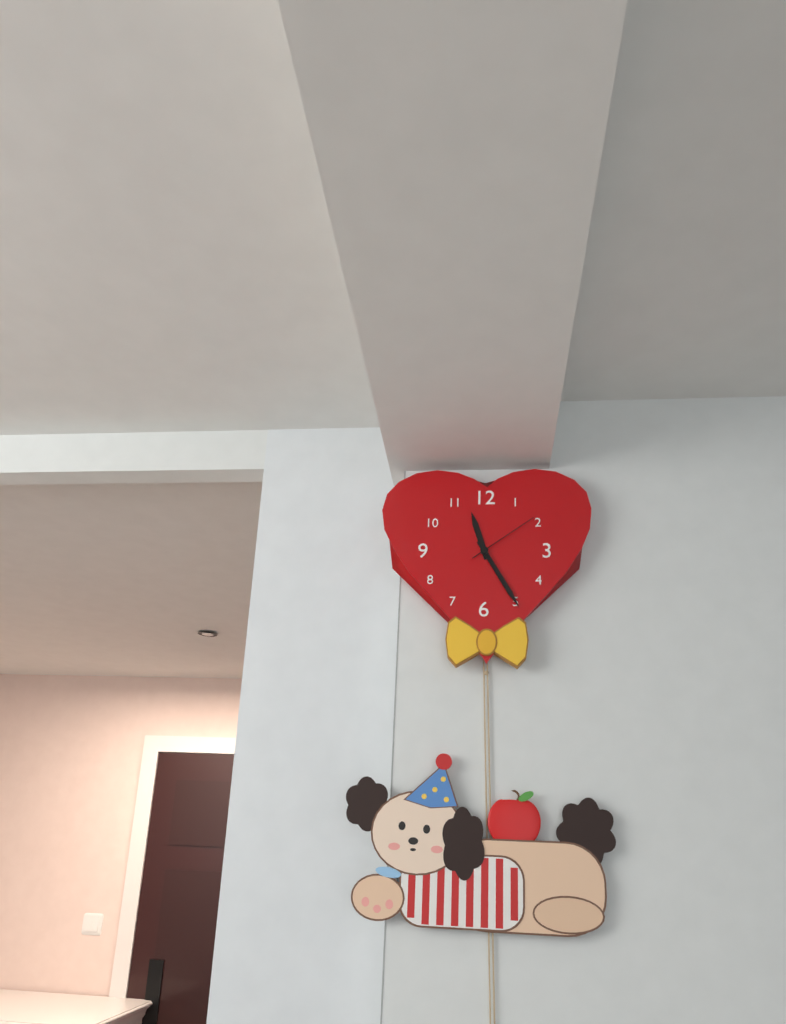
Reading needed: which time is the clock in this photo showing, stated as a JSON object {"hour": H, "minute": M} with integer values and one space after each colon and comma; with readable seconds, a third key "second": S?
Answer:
{"hour": 11, "minute": 25, "second": 9}
